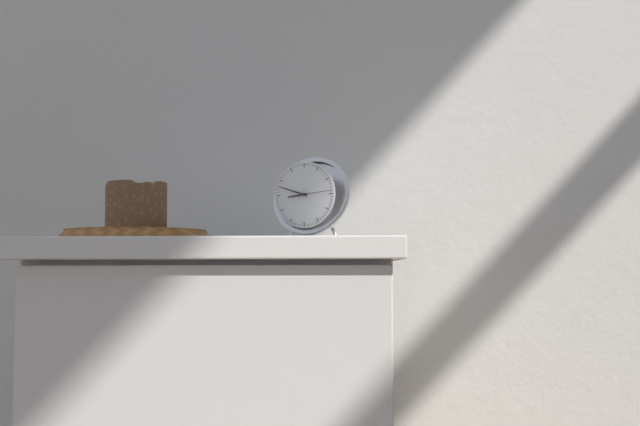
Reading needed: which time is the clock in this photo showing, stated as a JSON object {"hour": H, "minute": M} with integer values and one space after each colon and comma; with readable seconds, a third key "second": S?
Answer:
{"hour": 8, "minute": 48}
